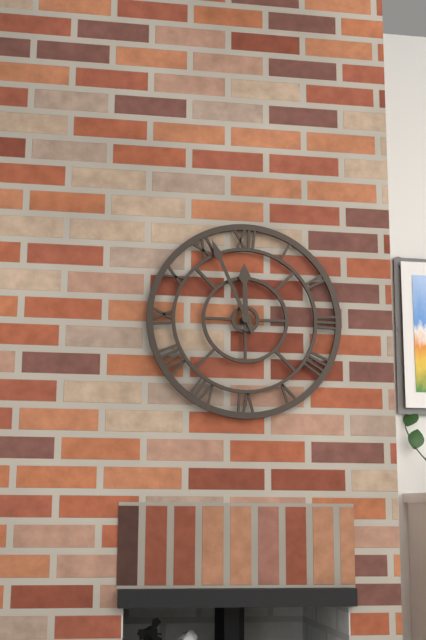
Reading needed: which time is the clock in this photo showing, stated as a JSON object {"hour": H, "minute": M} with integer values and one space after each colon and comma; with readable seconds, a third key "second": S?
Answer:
{"hour": 11, "minute": 56}
